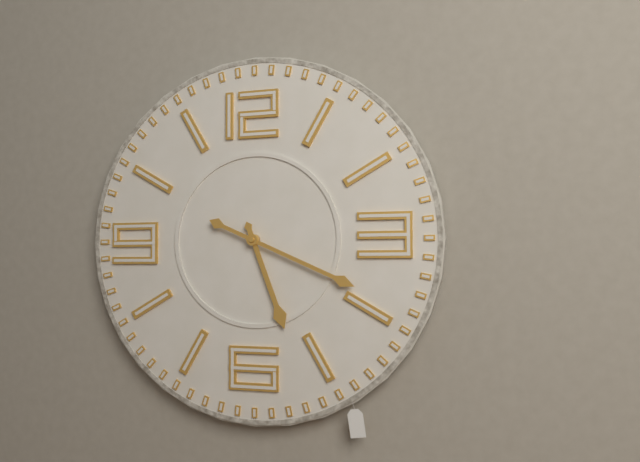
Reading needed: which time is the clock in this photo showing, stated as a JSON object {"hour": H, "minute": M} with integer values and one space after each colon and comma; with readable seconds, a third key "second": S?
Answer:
{"hour": 5, "minute": 19}
